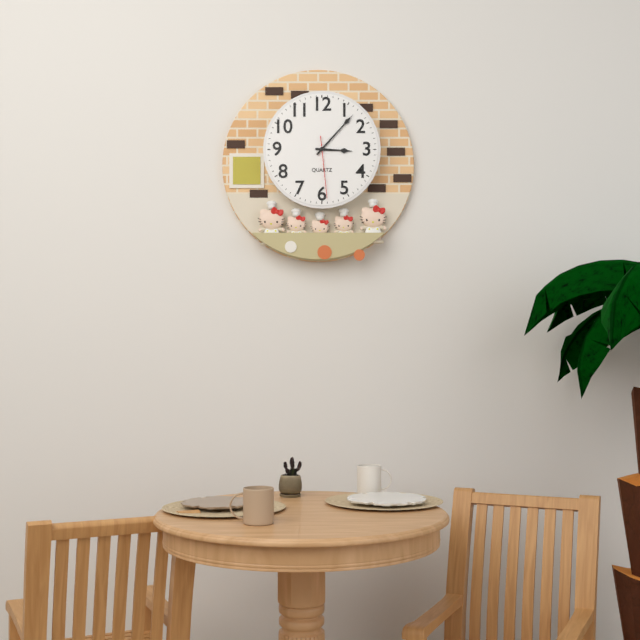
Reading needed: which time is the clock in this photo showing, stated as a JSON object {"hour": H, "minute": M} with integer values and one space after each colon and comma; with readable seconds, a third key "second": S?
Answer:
{"hour": 3, "minute": 7, "second": 29}
